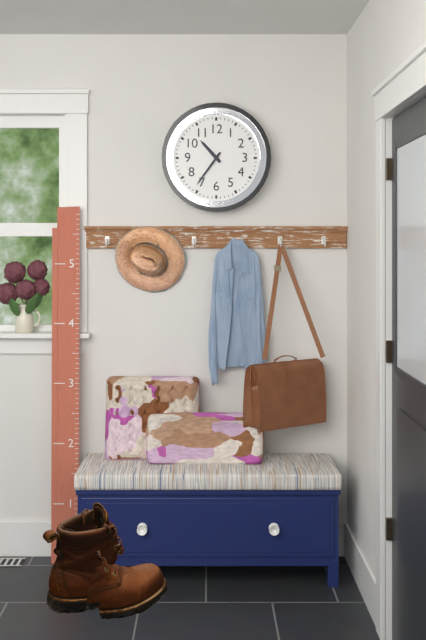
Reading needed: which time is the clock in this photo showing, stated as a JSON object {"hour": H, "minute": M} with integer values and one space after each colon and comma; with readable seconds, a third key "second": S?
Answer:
{"hour": 10, "minute": 36}
